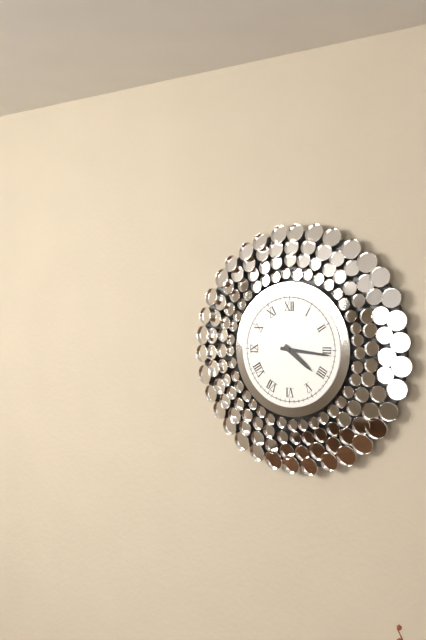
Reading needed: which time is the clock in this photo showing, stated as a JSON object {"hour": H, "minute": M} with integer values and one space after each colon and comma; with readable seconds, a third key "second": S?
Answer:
{"hour": 4, "minute": 16}
